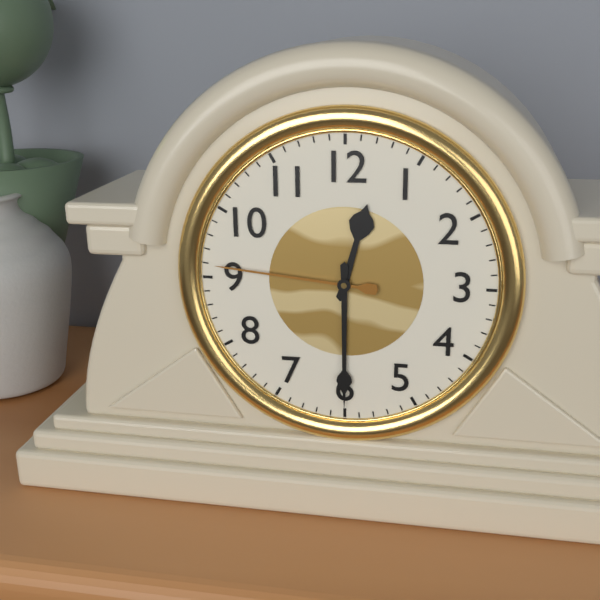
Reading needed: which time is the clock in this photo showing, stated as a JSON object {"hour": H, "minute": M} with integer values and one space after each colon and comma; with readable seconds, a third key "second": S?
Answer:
{"hour": 12, "minute": 30, "second": 46}
